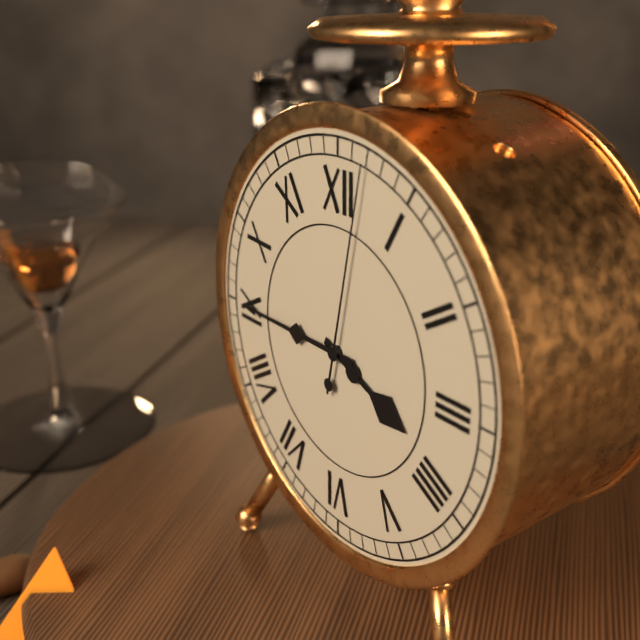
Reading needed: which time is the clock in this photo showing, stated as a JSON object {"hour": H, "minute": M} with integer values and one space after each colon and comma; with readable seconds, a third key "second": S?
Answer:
{"hour": 3, "minute": 45, "second": 2}
